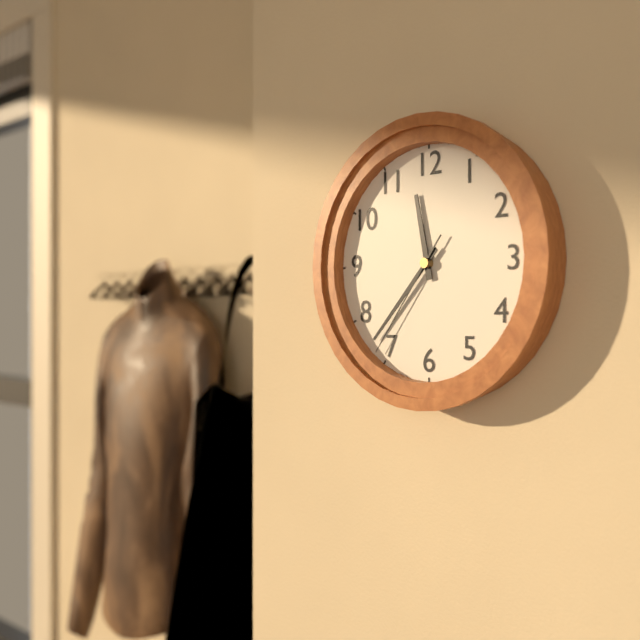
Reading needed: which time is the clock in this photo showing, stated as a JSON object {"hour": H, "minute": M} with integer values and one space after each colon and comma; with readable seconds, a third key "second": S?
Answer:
{"hour": 11, "minute": 37, "second": 36}
